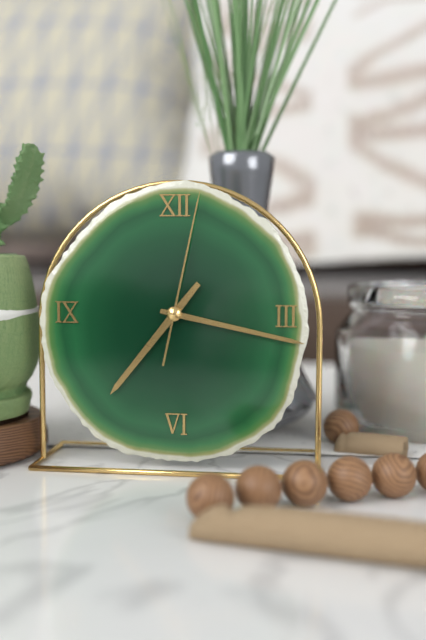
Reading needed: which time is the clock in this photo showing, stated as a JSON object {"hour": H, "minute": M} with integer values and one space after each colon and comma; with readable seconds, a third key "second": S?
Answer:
{"hour": 7, "minute": 17, "second": 2}
